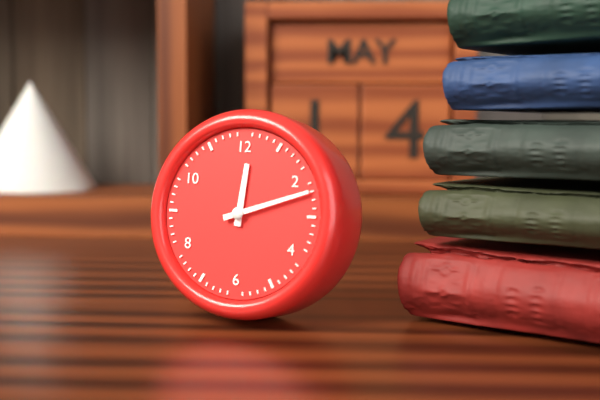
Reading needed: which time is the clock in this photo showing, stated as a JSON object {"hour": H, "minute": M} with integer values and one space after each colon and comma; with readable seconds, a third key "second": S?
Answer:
{"hour": 12, "minute": 12}
